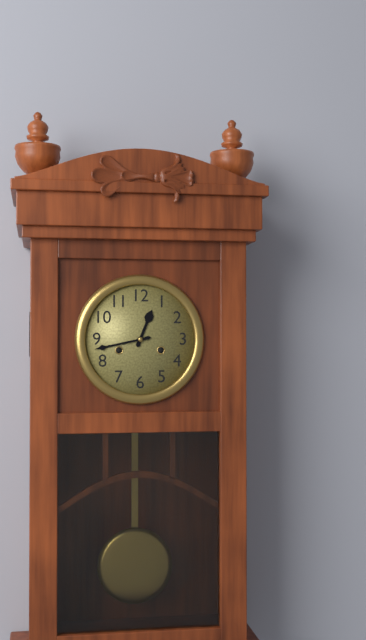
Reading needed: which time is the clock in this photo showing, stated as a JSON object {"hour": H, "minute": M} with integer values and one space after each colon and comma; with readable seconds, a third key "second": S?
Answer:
{"hour": 12, "minute": 43}
